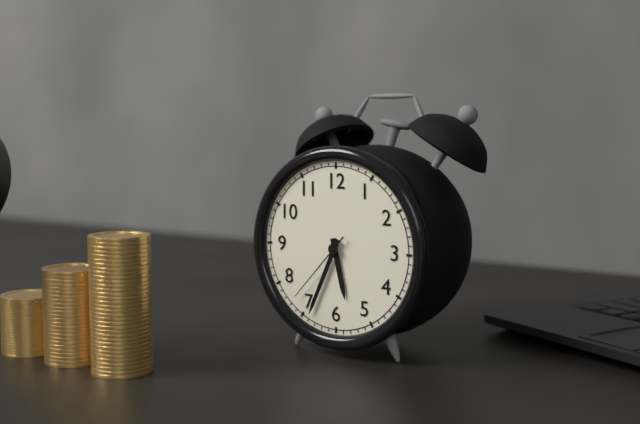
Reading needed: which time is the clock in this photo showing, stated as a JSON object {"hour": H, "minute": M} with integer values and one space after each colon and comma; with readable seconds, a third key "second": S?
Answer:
{"hour": 5, "minute": 34, "second": 37}
